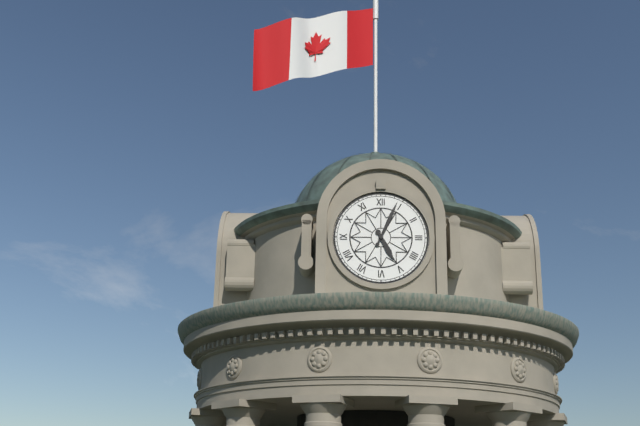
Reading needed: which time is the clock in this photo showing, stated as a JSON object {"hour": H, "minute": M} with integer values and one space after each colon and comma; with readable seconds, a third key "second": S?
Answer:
{"hour": 5, "minute": 4}
